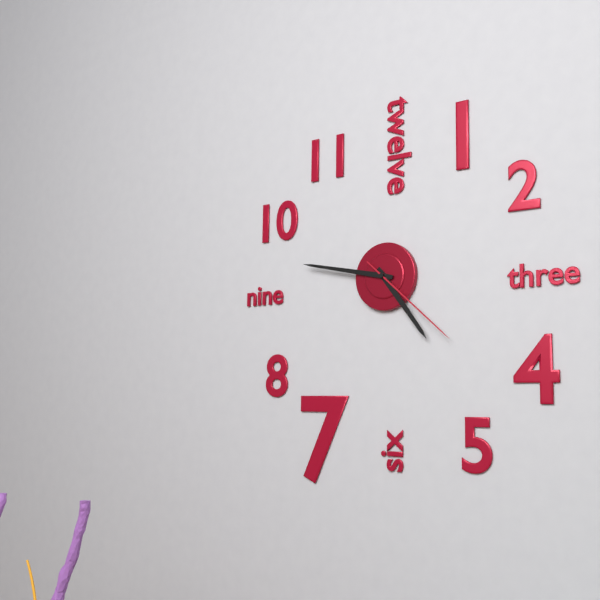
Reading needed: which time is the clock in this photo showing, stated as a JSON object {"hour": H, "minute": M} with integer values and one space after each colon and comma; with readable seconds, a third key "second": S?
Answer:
{"hour": 4, "minute": 47, "second": 22}
